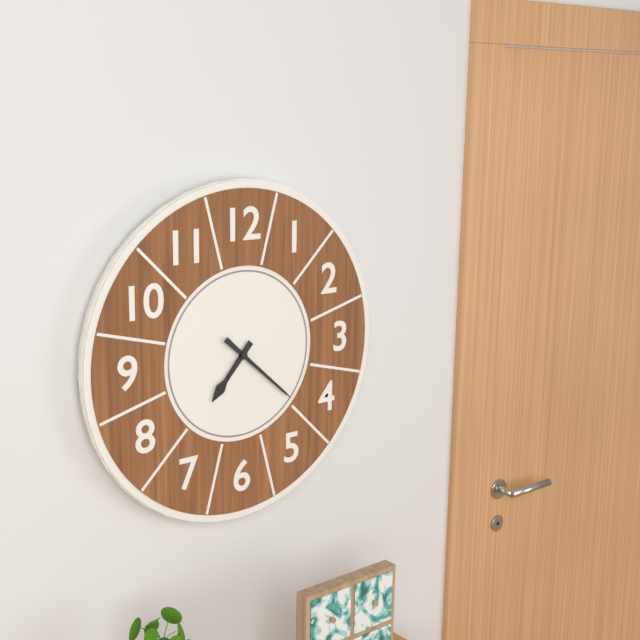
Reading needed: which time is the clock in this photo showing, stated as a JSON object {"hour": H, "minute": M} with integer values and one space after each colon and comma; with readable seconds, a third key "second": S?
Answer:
{"hour": 7, "minute": 22}
